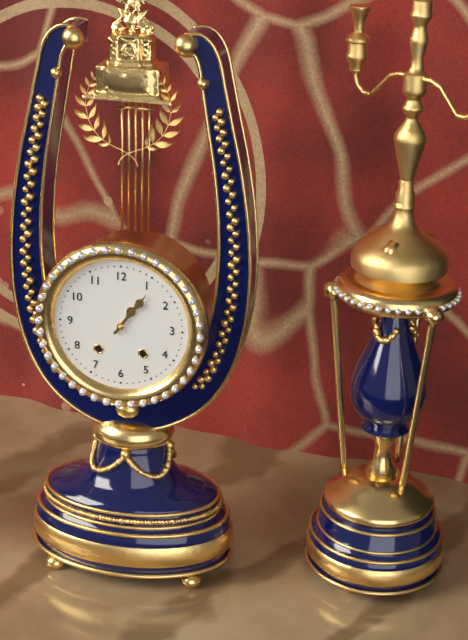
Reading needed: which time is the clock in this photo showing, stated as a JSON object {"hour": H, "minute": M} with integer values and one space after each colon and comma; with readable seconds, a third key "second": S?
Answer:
{"hour": 1, "minute": 6}
